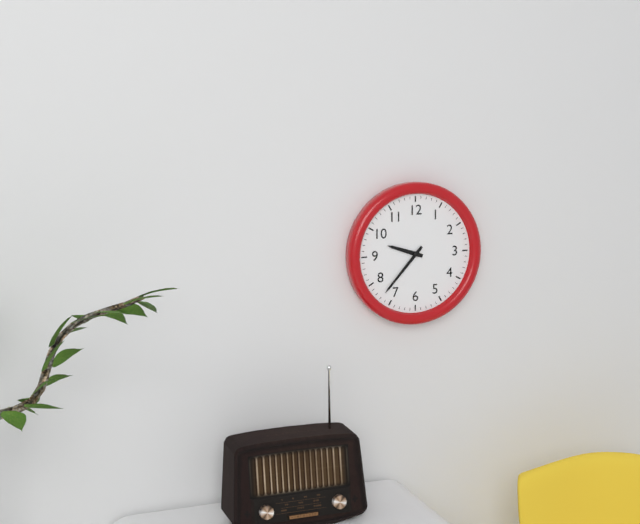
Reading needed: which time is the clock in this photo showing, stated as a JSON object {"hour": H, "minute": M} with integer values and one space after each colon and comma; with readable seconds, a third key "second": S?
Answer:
{"hour": 9, "minute": 37}
